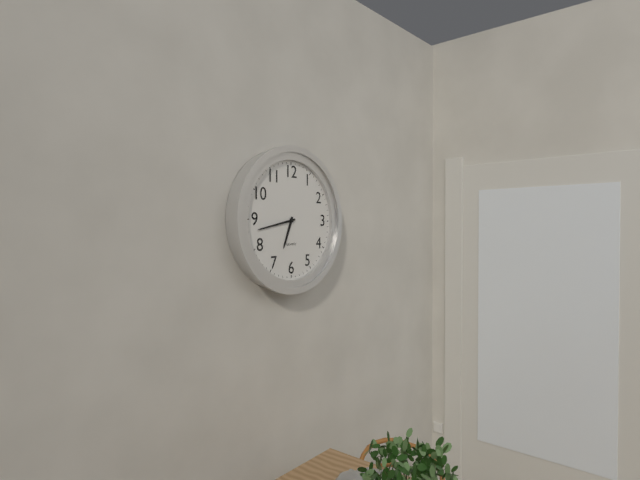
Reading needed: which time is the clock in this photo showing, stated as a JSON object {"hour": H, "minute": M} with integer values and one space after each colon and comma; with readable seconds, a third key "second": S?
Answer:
{"hour": 6, "minute": 43}
